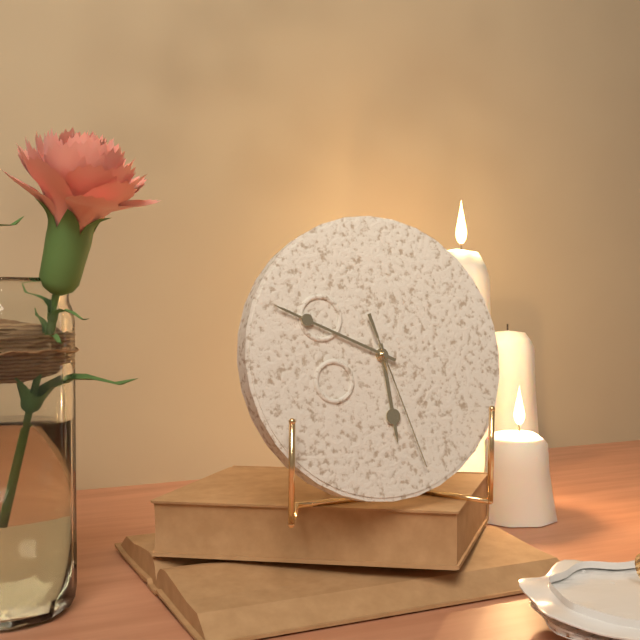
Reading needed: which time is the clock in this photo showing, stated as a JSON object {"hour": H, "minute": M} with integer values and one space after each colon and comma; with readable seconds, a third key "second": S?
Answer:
{"hour": 5, "minute": 49, "second": 27}
